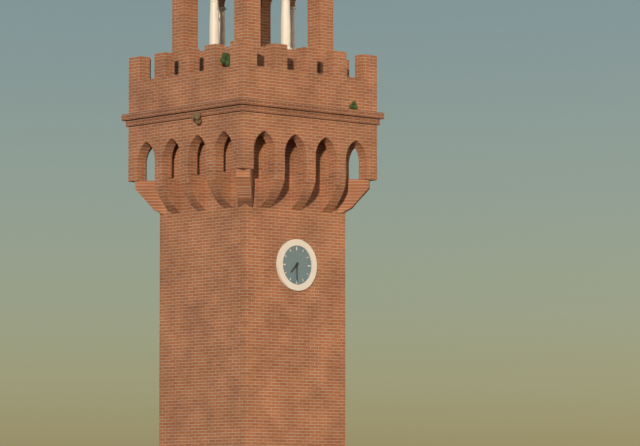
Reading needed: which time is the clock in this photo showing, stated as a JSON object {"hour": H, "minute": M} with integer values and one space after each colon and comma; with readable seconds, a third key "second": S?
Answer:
{"hour": 7, "minute": 30}
